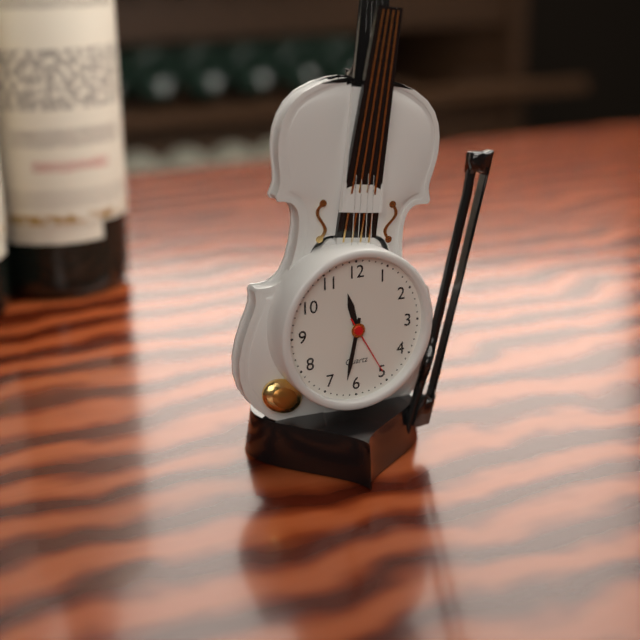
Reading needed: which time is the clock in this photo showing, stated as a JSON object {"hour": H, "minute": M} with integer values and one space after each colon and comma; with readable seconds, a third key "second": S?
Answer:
{"hour": 11, "minute": 32, "second": 25}
